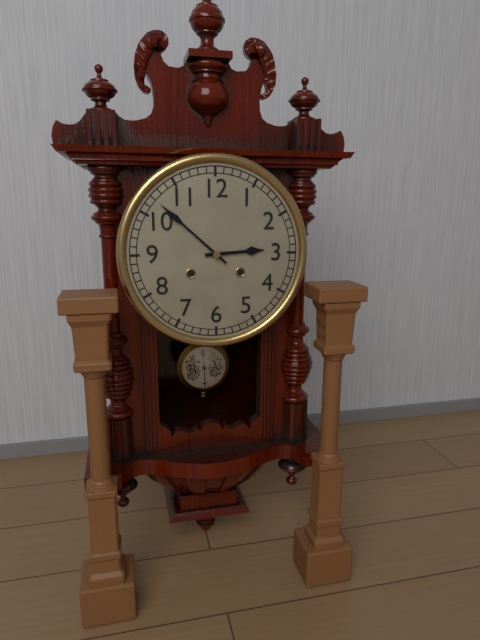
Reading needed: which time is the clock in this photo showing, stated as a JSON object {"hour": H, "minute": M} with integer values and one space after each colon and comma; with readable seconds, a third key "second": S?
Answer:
{"hour": 2, "minute": 52}
